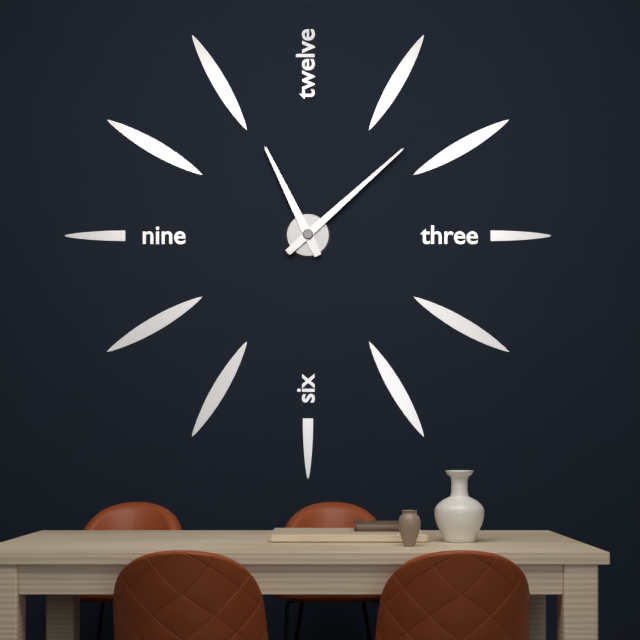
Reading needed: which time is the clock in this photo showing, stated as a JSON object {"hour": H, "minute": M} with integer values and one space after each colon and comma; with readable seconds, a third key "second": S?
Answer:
{"hour": 11, "minute": 8}
